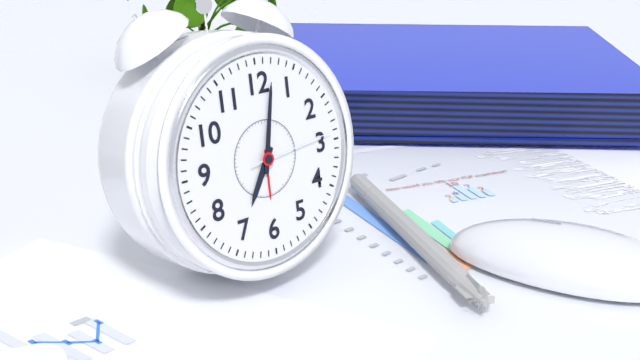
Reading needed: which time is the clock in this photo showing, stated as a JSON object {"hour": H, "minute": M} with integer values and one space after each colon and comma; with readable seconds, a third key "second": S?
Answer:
{"hour": 7, "minute": 2, "second": 14}
